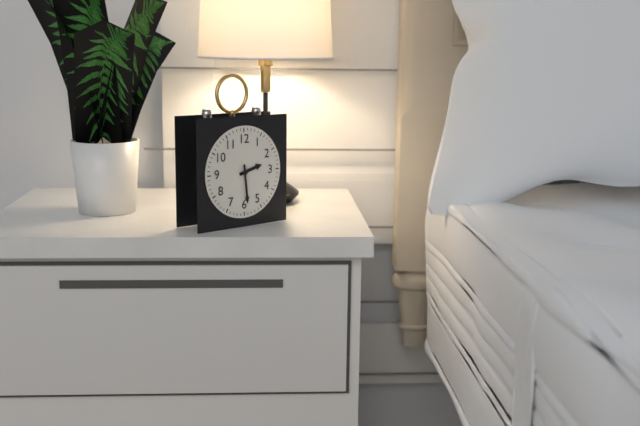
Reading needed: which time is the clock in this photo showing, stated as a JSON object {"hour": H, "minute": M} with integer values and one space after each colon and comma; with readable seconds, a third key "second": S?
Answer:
{"hour": 2, "minute": 29}
